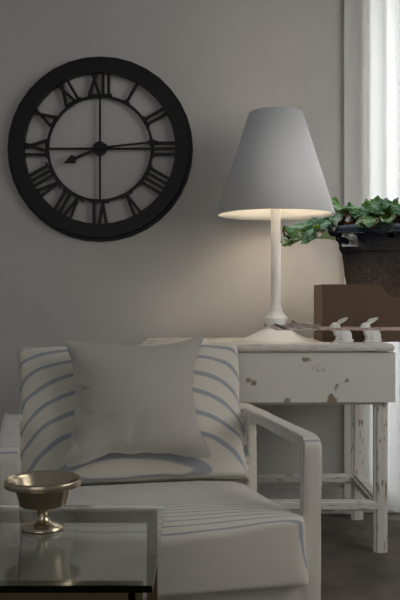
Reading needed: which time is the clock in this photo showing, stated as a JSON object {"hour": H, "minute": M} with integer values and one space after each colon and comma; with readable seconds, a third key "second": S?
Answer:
{"hour": 8, "minute": 14}
